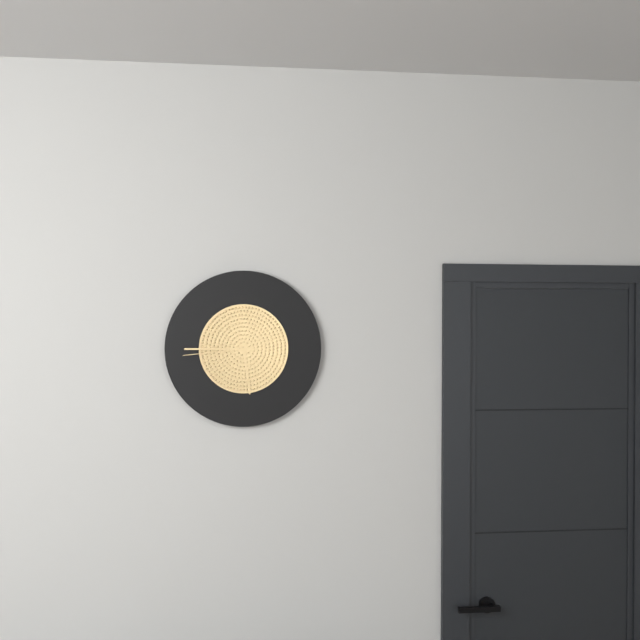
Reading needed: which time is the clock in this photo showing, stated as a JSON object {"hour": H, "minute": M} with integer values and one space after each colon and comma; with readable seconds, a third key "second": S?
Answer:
{"hour": 5, "minute": 45, "second": 44}
